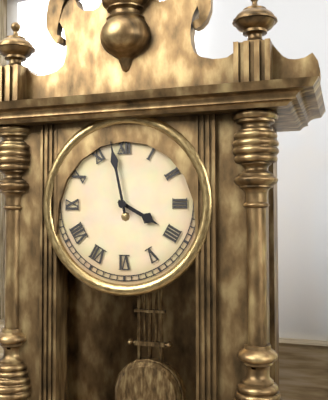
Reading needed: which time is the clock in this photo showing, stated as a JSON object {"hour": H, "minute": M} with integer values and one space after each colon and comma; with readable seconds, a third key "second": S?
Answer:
{"hour": 3, "minute": 58}
